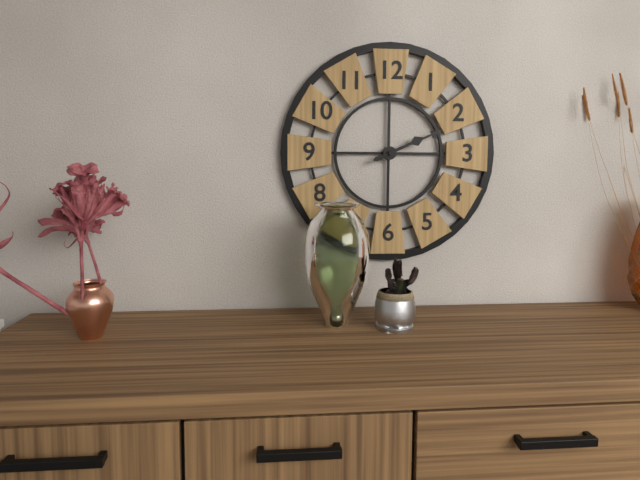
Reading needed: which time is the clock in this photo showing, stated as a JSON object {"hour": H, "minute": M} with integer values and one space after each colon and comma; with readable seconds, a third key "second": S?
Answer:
{"hour": 2, "minute": 11}
